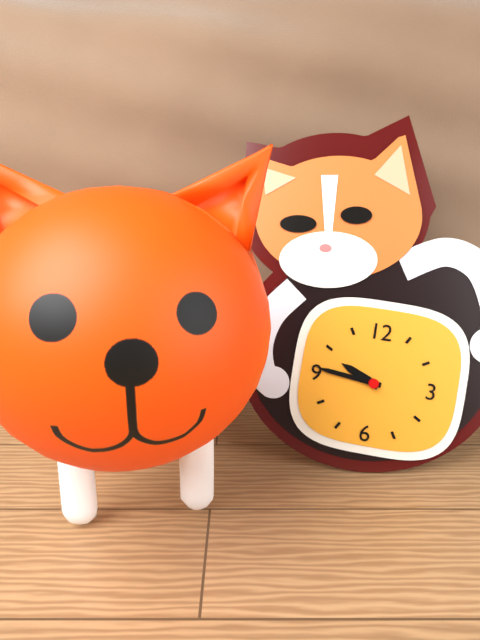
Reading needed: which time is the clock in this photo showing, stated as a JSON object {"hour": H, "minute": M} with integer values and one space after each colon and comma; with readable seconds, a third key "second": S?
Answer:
{"hour": 9, "minute": 46}
